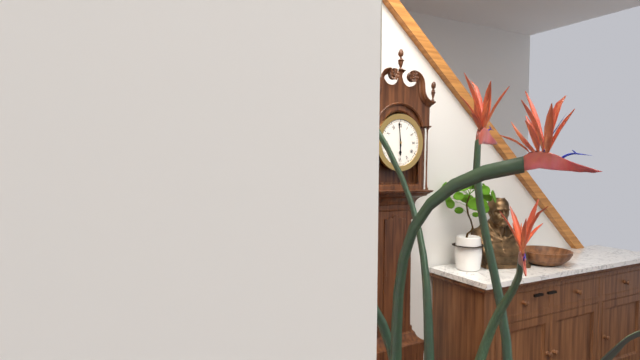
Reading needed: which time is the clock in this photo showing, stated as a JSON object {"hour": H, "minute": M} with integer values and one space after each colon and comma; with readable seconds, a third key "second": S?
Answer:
{"hour": 5, "minute": 59}
